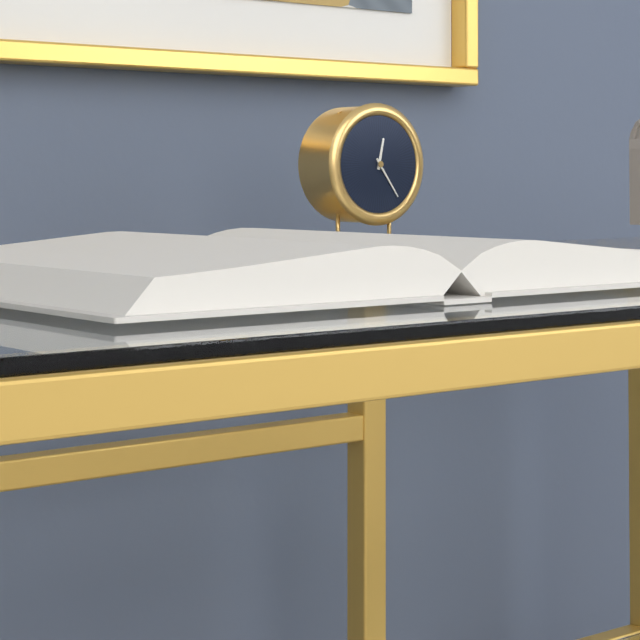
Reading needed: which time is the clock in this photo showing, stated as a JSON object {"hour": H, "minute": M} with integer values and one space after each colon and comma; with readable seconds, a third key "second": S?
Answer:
{"hour": 12, "minute": 24}
